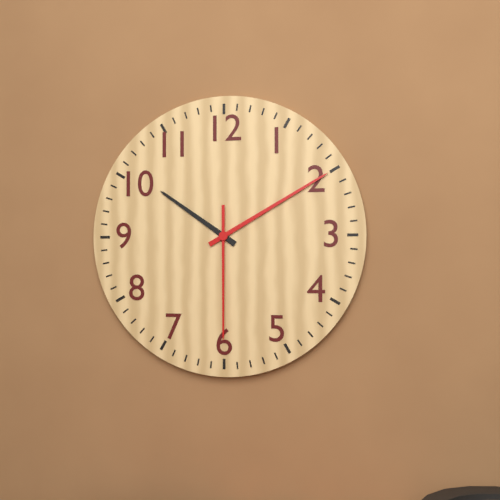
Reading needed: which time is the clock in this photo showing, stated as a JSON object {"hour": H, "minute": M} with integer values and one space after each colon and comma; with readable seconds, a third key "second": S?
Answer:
{"hour": 10, "minute": 10, "second": 30}
